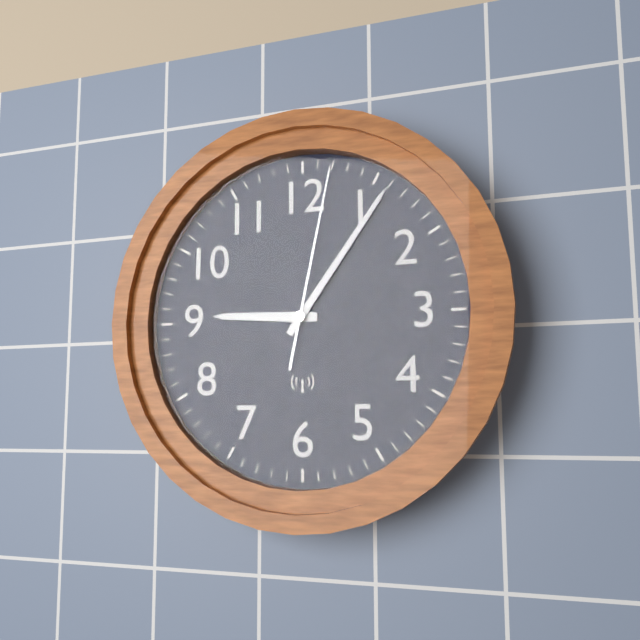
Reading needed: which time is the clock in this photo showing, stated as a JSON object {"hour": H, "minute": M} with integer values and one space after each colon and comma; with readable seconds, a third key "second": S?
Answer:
{"hour": 9, "minute": 6, "second": 2}
